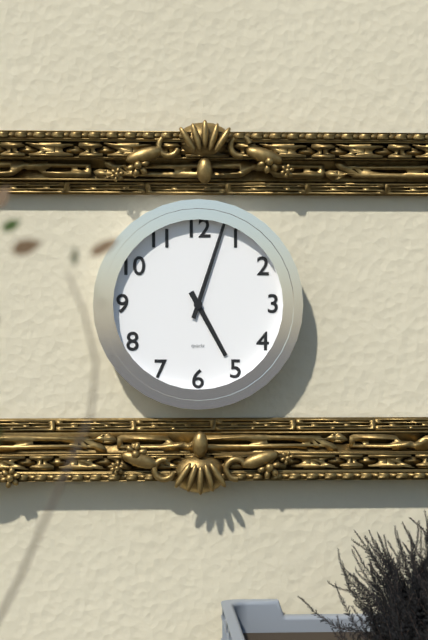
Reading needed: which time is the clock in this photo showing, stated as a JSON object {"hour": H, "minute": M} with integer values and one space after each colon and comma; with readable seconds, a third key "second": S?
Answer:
{"hour": 5, "minute": 3}
